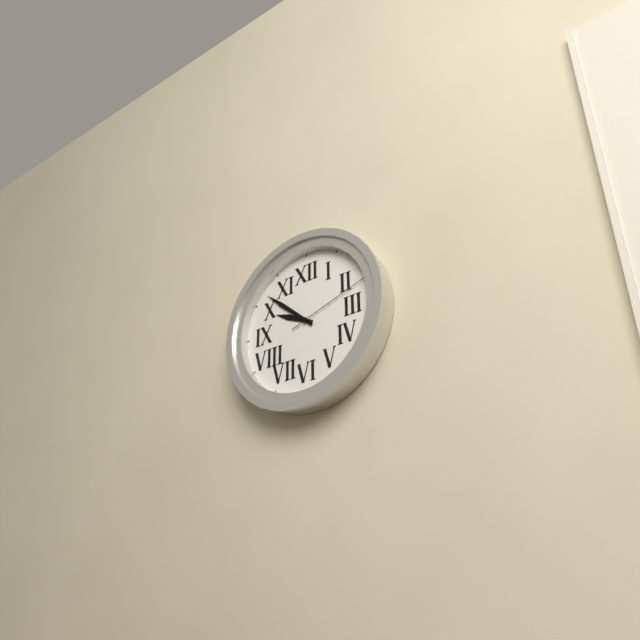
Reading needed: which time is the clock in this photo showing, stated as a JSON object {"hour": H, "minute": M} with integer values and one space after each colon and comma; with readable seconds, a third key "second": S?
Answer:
{"hour": 9, "minute": 52, "second": 12}
